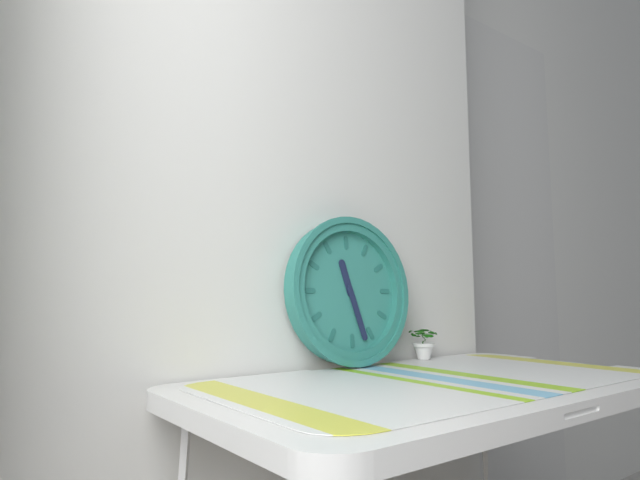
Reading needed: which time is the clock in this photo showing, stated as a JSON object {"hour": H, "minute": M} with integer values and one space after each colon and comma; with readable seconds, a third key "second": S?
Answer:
{"hour": 11, "minute": 27}
